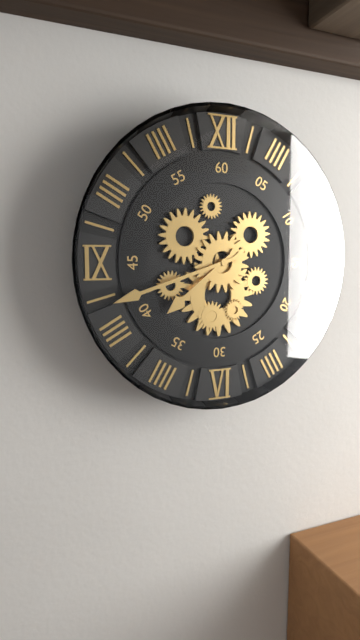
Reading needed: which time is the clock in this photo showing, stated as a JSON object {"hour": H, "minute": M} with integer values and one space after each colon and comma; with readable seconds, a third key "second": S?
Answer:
{"hour": 7, "minute": 42}
